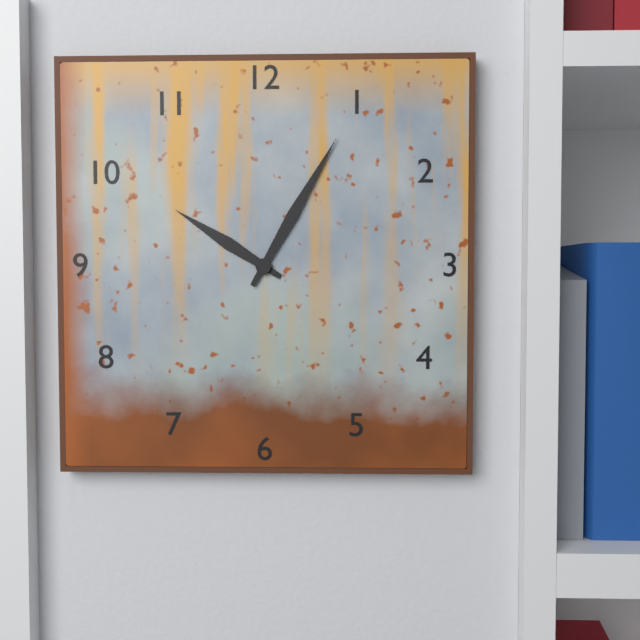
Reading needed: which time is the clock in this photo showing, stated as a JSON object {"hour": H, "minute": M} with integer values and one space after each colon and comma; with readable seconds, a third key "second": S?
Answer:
{"hour": 10, "minute": 5}
